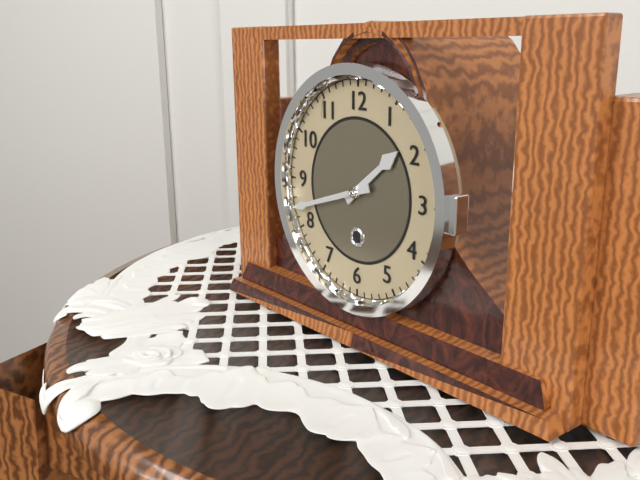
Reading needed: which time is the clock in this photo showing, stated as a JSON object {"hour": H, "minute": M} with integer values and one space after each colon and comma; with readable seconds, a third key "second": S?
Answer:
{"hour": 1, "minute": 42}
